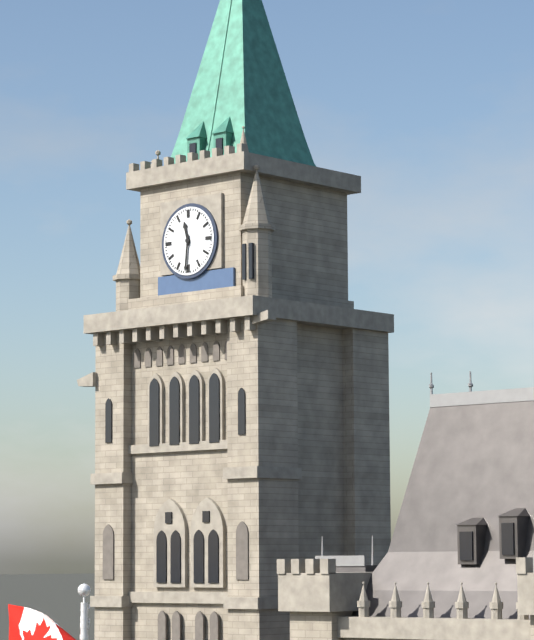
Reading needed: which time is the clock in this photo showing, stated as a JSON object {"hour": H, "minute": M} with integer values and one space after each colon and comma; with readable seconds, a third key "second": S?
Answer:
{"hour": 11, "minute": 31}
